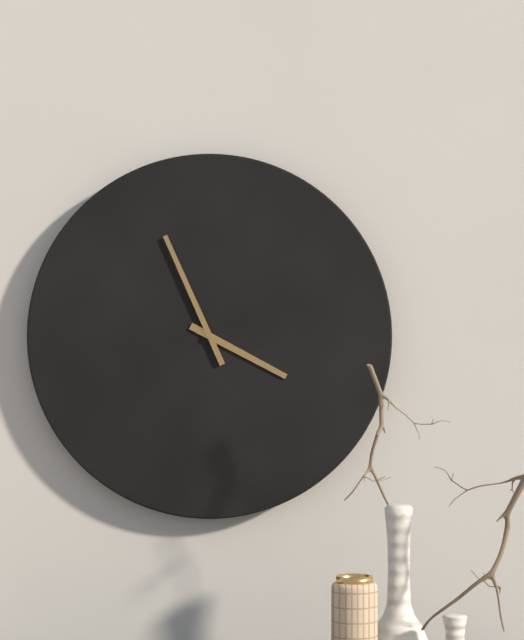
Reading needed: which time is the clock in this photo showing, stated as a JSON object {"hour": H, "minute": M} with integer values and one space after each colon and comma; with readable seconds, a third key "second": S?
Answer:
{"hour": 3, "minute": 56}
